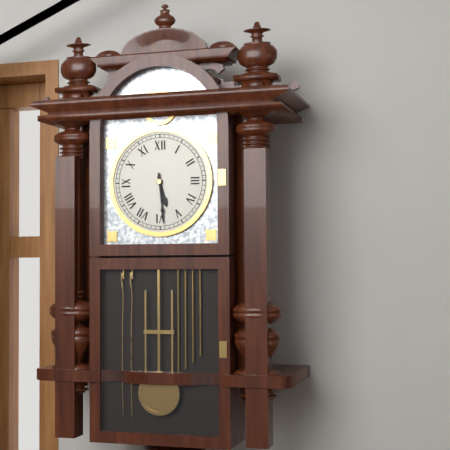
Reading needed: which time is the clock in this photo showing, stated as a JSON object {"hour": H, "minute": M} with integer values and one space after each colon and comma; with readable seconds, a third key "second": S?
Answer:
{"hour": 5, "minute": 29}
